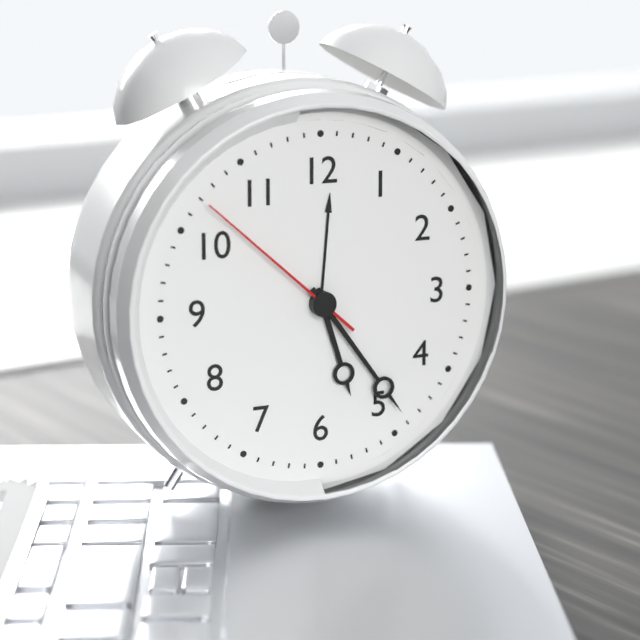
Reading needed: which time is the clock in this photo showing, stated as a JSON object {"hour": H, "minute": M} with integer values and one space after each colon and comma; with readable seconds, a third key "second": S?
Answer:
{"hour": 5, "minute": 24, "second": 52}
